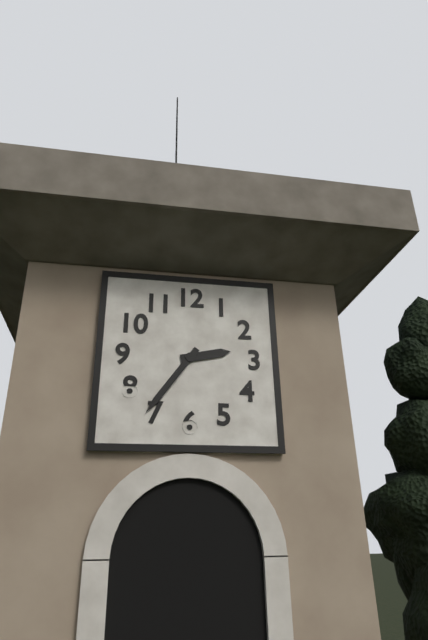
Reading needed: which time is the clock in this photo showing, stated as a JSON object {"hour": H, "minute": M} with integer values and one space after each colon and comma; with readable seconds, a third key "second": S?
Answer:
{"hour": 2, "minute": 36}
